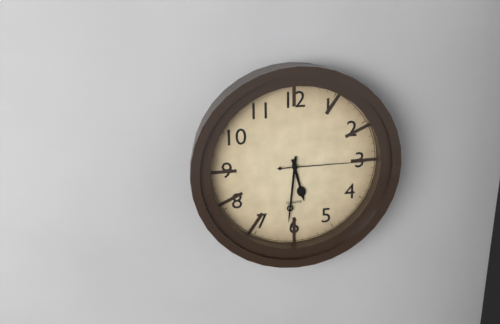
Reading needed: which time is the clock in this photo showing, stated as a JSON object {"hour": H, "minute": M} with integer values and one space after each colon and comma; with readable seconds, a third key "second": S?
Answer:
{"hour": 5, "minute": 31, "second": 15}
